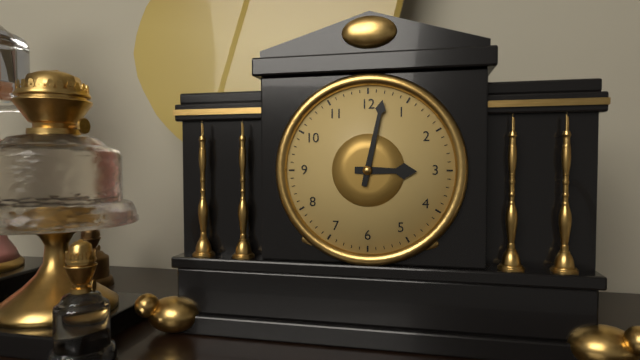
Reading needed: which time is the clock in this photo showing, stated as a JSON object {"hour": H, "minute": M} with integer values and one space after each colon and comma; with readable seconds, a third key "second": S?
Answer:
{"hour": 3, "minute": 2}
